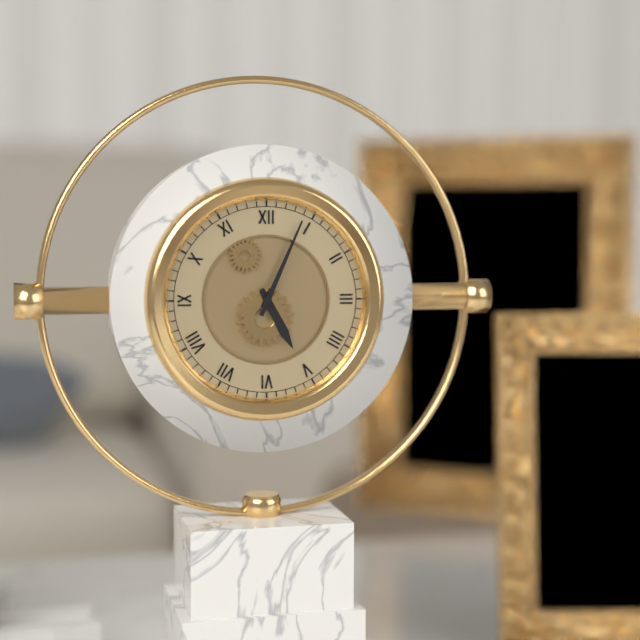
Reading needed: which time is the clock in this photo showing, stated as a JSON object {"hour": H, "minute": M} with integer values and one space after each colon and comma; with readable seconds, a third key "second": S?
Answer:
{"hour": 5, "minute": 4}
